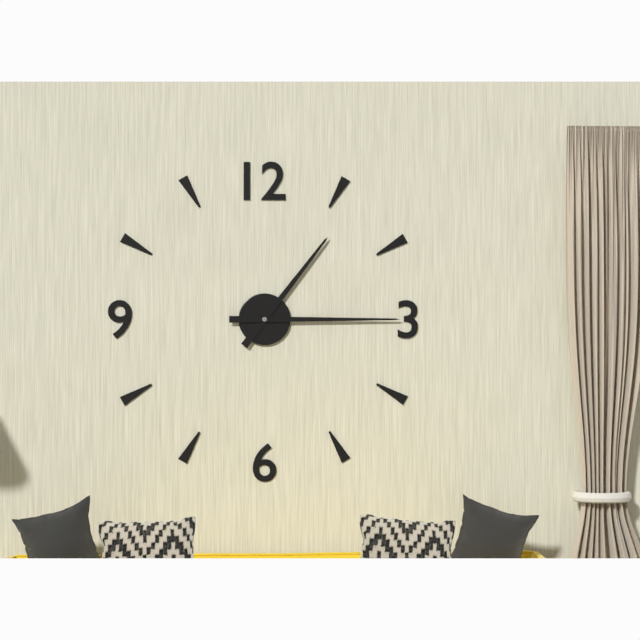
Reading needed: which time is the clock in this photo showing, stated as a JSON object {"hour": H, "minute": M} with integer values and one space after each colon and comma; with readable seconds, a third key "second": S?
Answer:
{"hour": 1, "minute": 15}
